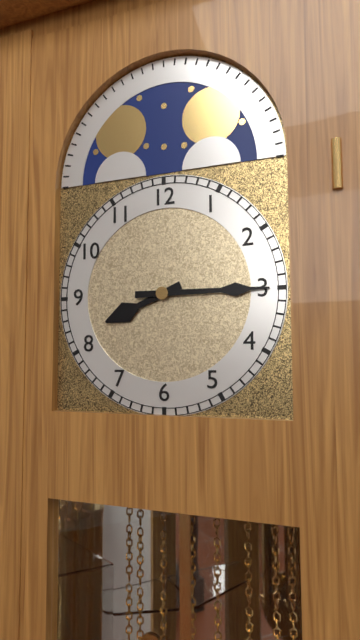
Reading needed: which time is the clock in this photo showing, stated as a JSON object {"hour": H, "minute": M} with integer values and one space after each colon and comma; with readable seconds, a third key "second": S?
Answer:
{"hour": 8, "minute": 15}
